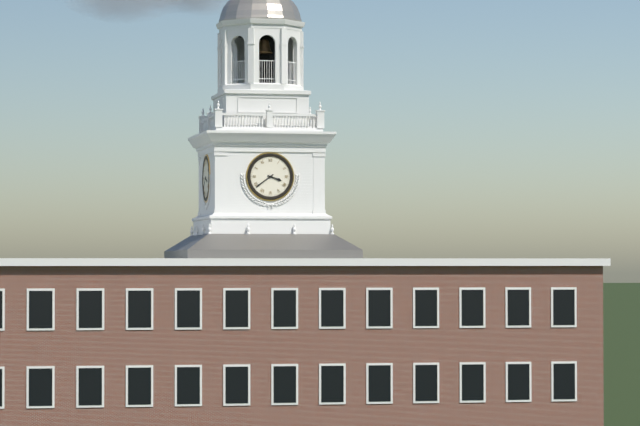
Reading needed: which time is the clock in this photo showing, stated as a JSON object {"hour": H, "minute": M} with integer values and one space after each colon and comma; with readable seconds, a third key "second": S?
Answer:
{"hour": 3, "minute": 39}
